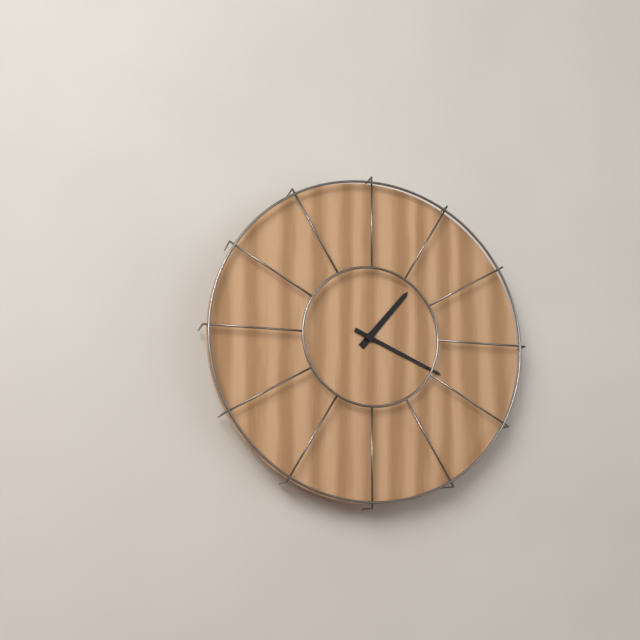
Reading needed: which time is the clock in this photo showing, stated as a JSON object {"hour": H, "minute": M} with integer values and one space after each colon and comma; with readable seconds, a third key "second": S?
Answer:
{"hour": 1, "minute": 19}
